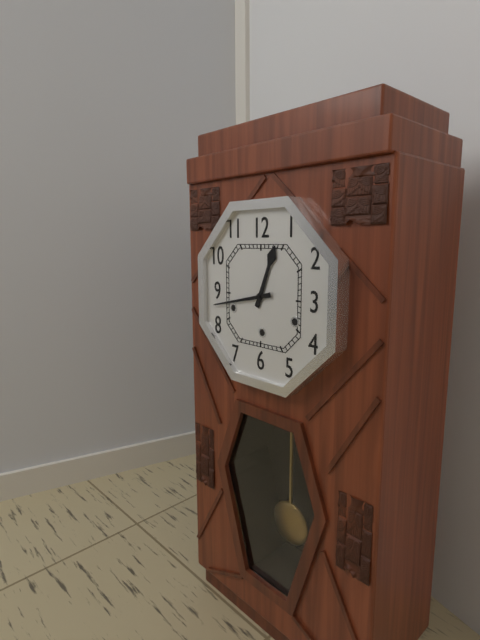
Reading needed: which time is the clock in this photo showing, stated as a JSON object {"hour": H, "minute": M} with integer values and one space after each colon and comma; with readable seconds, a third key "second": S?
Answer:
{"hour": 12, "minute": 43}
